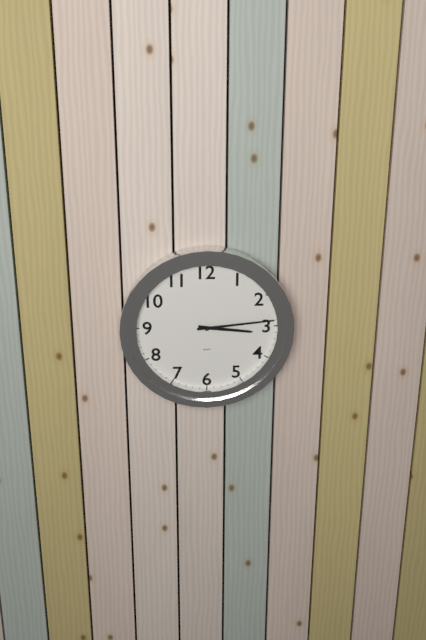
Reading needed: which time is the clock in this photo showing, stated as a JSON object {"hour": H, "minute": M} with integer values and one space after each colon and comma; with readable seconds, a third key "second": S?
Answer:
{"hour": 3, "minute": 14}
